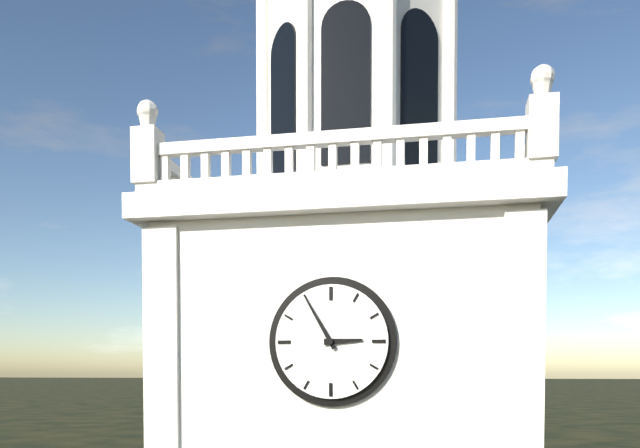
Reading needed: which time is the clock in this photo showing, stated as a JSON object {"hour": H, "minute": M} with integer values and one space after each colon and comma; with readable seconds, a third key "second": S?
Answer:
{"hour": 2, "minute": 55}
